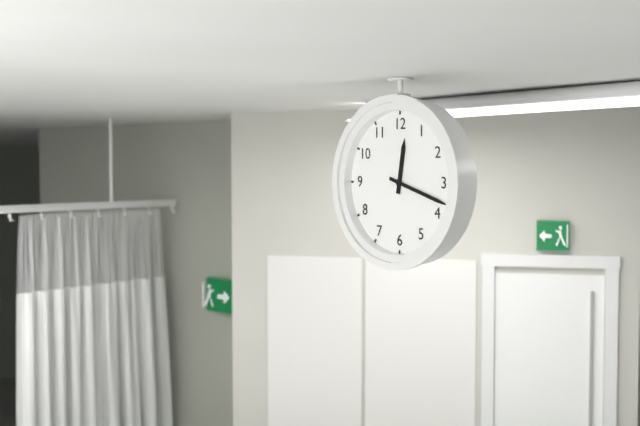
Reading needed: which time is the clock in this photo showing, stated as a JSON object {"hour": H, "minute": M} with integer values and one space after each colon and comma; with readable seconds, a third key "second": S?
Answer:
{"hour": 12, "minute": 18}
